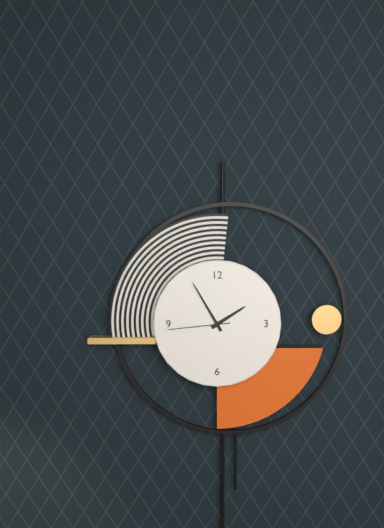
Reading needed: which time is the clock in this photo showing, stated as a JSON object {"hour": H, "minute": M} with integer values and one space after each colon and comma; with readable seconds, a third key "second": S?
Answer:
{"hour": 1, "minute": 55, "second": 44}
